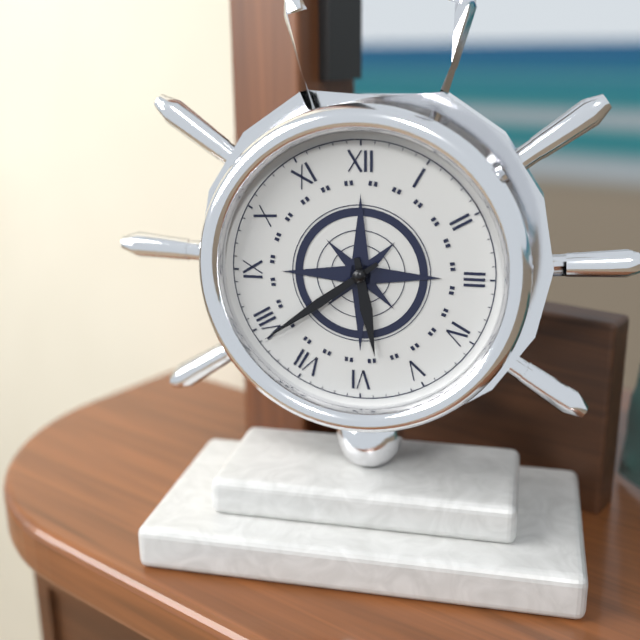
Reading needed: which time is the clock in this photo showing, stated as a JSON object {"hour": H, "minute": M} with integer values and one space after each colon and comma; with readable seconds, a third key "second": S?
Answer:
{"hour": 5, "minute": 39}
